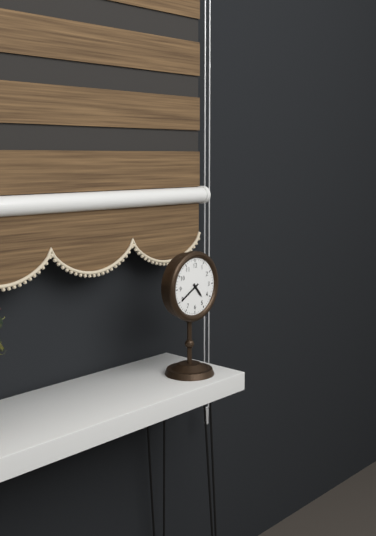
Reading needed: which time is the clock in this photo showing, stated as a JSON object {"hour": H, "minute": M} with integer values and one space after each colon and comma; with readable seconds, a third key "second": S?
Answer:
{"hour": 4, "minute": 40}
